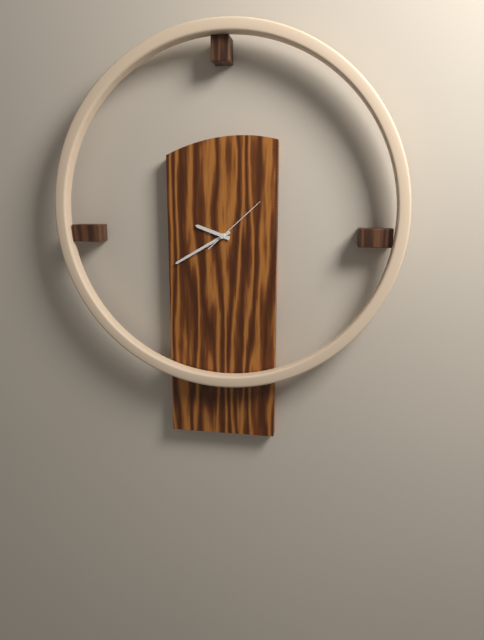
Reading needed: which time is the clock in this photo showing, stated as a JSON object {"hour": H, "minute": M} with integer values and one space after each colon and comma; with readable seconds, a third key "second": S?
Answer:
{"hour": 9, "minute": 40, "second": 8}
